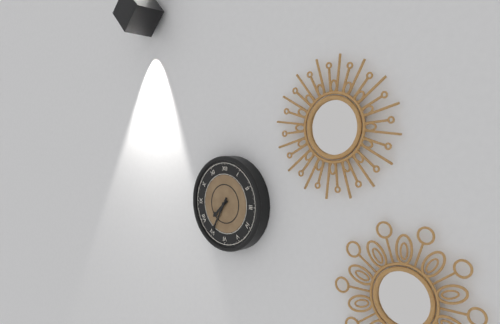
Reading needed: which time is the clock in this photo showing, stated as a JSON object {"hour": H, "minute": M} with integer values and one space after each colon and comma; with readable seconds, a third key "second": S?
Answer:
{"hour": 7, "minute": 35}
